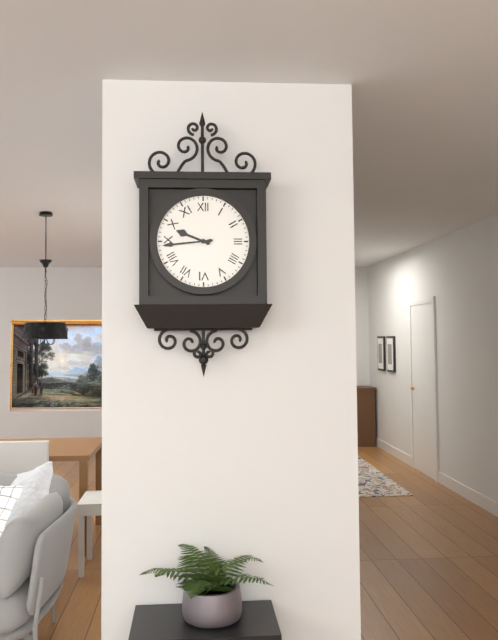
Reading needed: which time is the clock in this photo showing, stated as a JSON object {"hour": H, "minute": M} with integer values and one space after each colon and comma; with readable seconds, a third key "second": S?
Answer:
{"hour": 9, "minute": 44}
